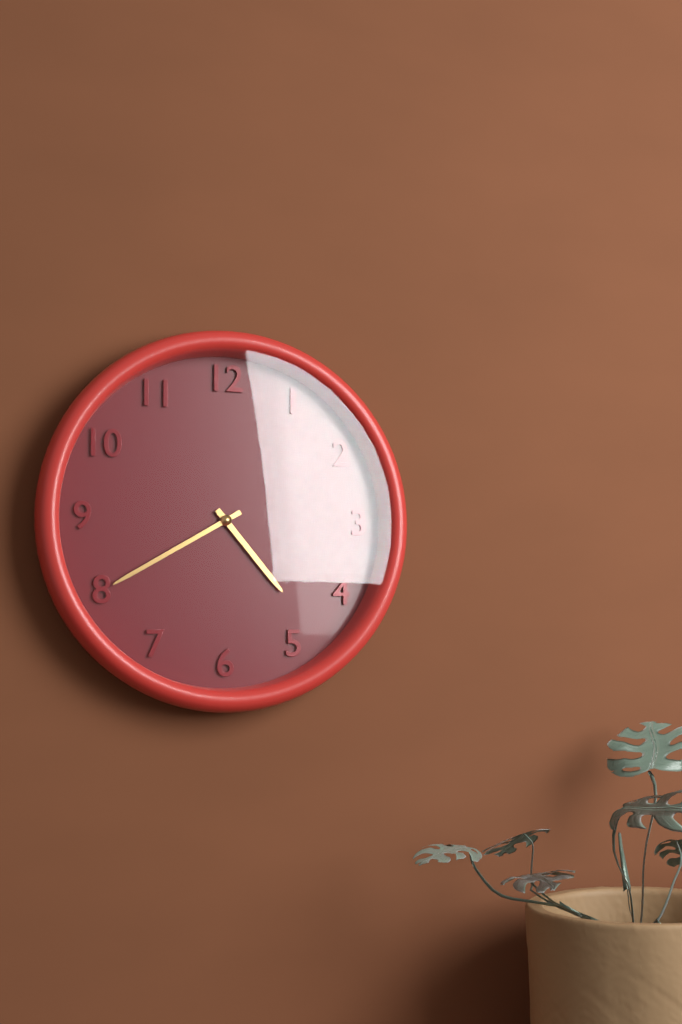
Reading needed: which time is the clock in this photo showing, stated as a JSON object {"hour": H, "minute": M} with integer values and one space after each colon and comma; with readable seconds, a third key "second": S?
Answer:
{"hour": 4, "minute": 40}
